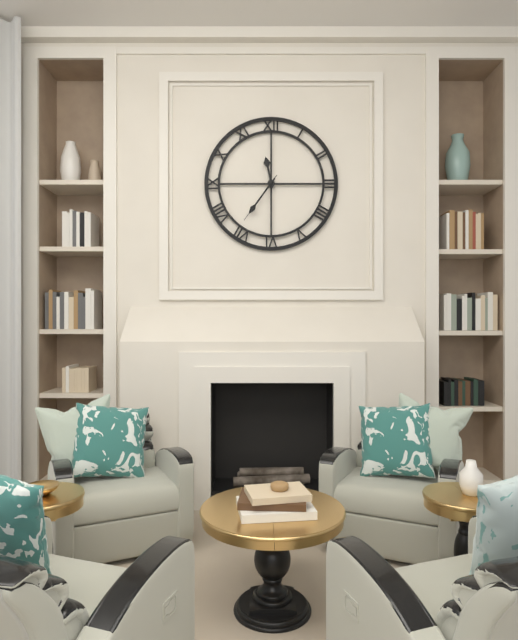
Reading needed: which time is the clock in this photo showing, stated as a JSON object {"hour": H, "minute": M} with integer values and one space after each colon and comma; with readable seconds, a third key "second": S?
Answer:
{"hour": 11, "minute": 36, "second": 36}
